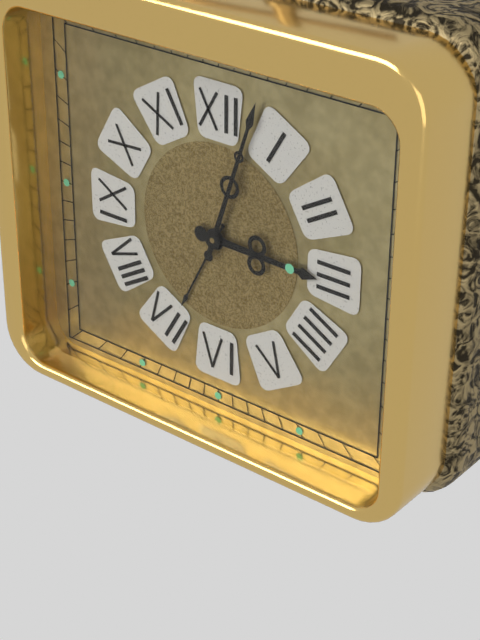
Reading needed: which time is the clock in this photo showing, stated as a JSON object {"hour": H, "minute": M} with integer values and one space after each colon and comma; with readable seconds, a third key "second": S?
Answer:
{"hour": 3, "minute": 3}
